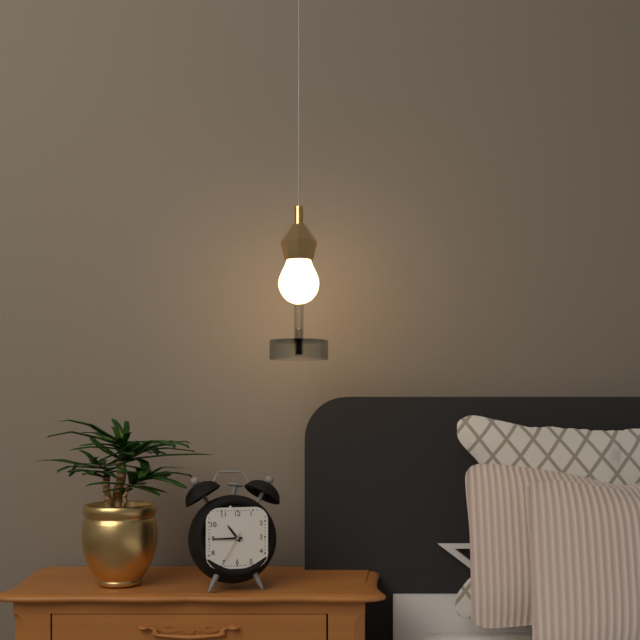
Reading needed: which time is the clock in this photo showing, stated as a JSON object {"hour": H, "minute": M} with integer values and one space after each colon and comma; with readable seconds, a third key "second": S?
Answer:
{"hour": 10, "minute": 45}
